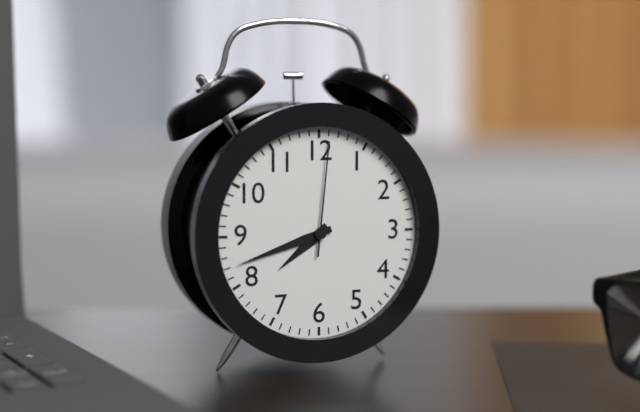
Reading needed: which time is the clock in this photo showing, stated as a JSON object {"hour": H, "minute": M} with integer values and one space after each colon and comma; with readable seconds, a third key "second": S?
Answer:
{"hour": 7, "minute": 42, "second": 1}
